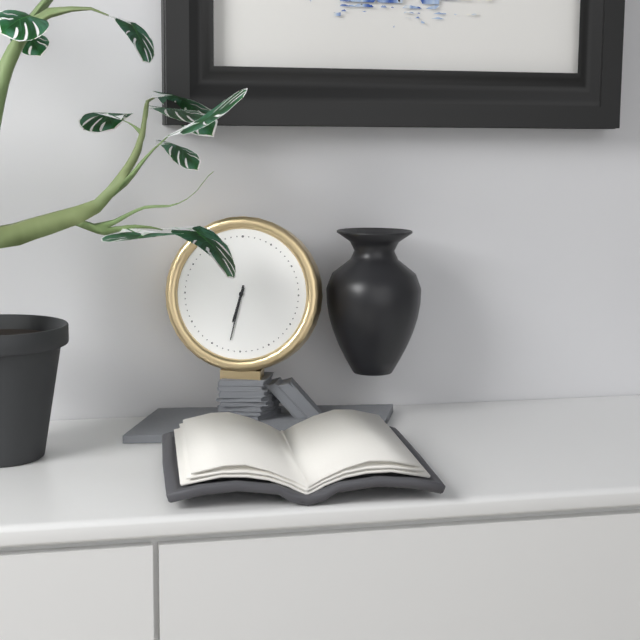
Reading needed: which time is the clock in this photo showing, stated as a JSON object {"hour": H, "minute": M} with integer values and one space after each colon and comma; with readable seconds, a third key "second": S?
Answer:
{"hour": 6, "minute": 32}
